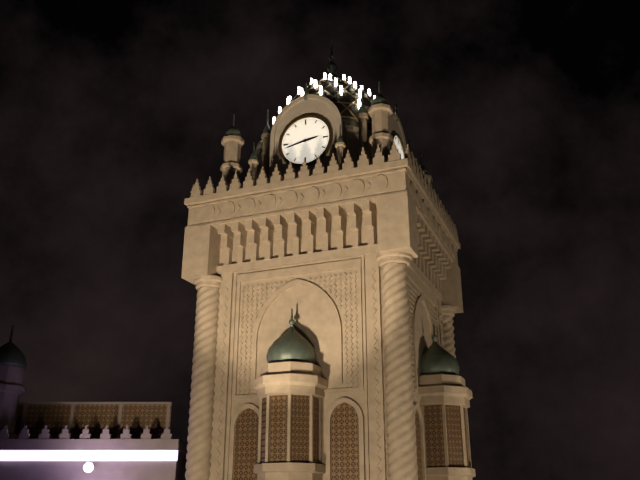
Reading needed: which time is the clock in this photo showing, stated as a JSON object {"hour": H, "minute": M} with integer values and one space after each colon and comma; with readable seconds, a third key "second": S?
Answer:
{"hour": 2, "minute": 43}
